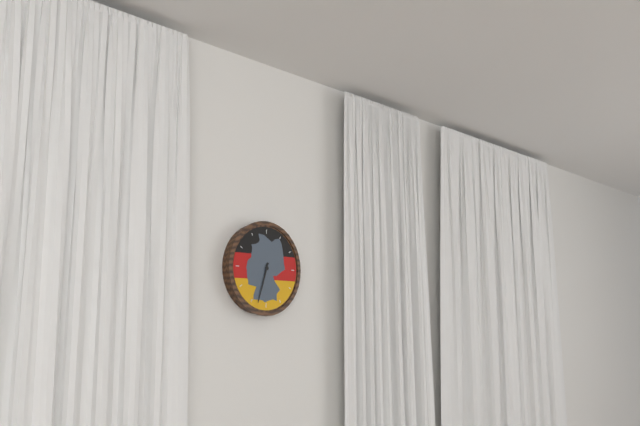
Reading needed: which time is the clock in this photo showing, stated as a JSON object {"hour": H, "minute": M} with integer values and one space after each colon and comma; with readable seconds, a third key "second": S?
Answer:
{"hour": 6, "minute": 33}
